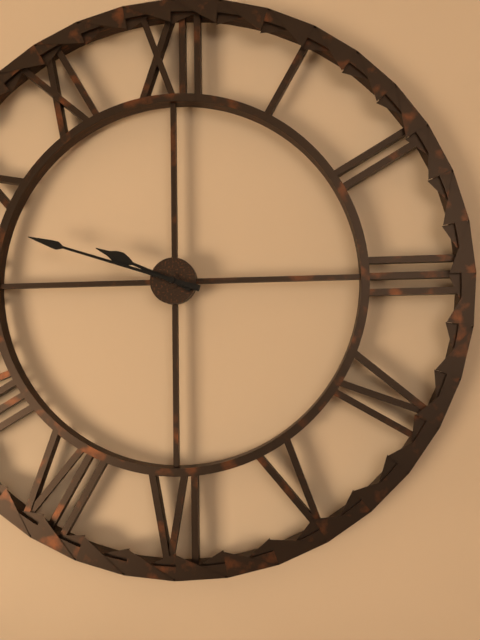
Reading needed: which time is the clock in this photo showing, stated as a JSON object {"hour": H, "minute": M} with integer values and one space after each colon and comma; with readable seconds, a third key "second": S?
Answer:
{"hour": 9, "minute": 48}
